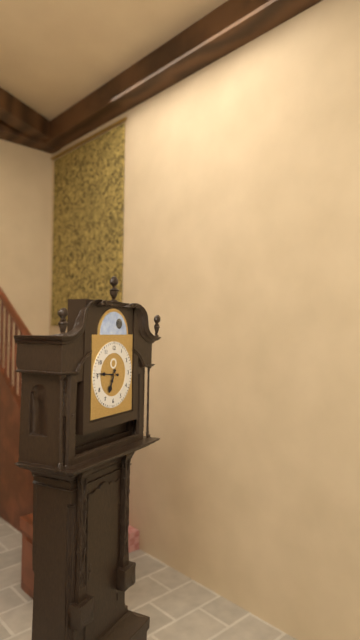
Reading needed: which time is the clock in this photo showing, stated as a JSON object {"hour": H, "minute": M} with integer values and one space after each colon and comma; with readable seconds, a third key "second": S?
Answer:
{"hour": 6, "minute": 46}
